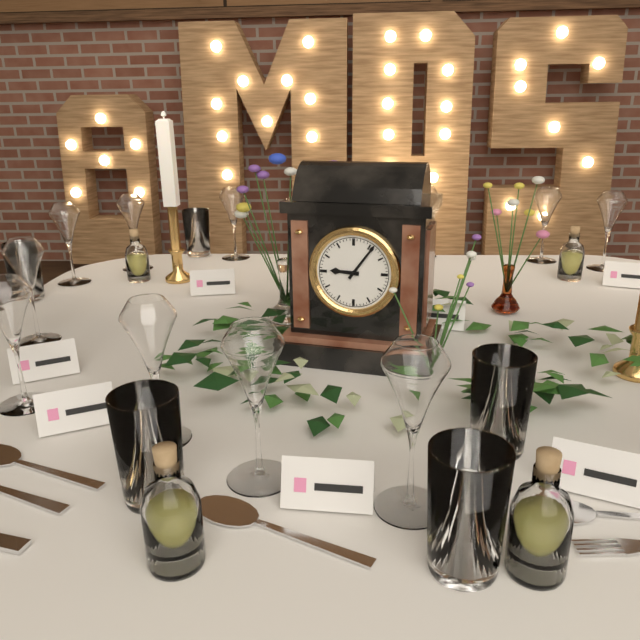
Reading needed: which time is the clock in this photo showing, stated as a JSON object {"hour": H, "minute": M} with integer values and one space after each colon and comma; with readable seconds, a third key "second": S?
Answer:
{"hour": 9, "minute": 6}
